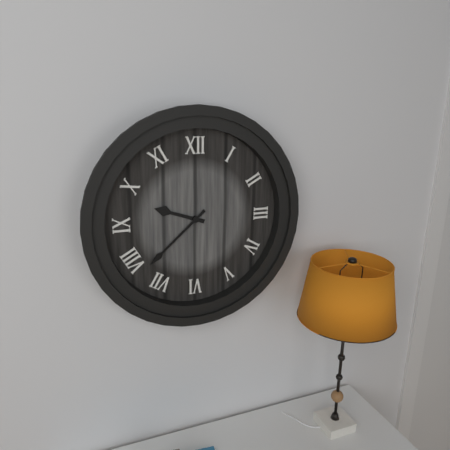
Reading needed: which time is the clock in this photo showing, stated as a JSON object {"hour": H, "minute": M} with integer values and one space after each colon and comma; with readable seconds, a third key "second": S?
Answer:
{"hour": 9, "minute": 38}
